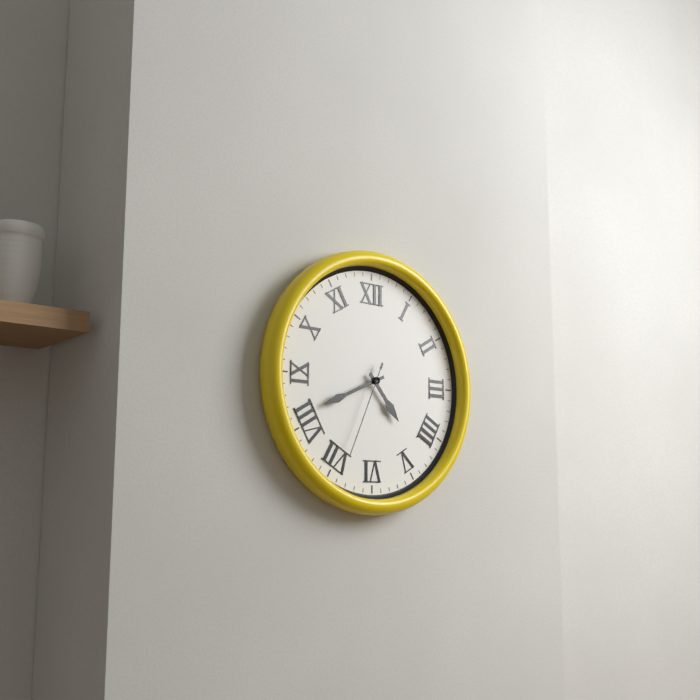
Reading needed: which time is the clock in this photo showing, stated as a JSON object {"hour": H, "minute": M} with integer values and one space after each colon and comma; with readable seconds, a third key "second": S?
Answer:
{"hour": 4, "minute": 41, "second": 34}
